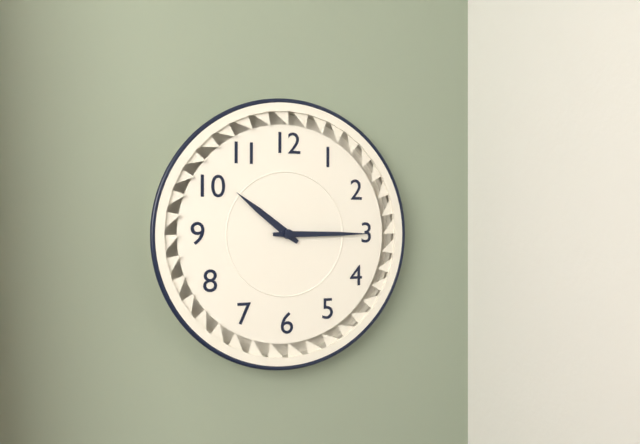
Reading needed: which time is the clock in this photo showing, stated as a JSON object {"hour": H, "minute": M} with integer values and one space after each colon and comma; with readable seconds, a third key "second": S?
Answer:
{"hour": 10, "minute": 15}
